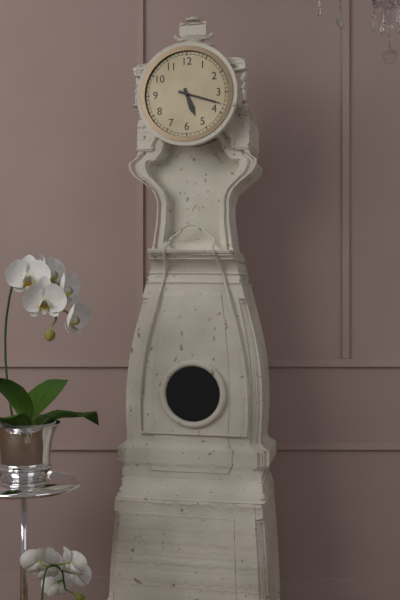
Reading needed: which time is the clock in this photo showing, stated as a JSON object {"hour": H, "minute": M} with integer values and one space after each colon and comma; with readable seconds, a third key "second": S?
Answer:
{"hour": 5, "minute": 18}
